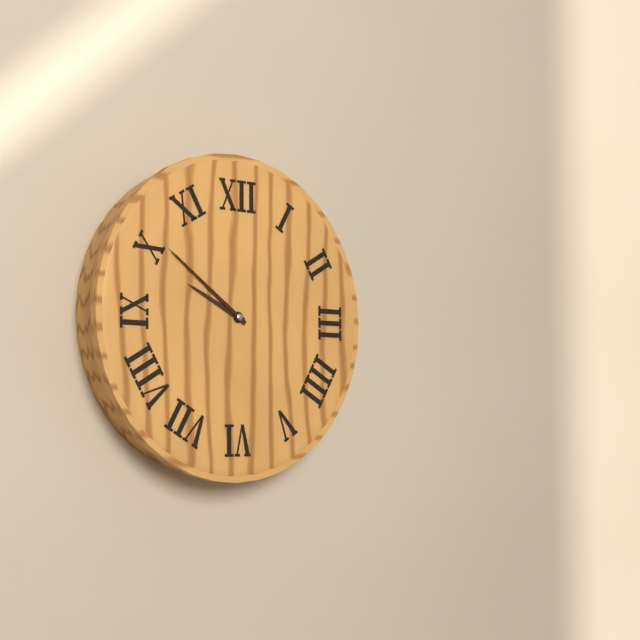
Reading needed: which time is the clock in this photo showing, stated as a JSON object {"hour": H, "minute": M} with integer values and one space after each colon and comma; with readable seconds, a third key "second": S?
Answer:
{"hour": 9, "minute": 51}
